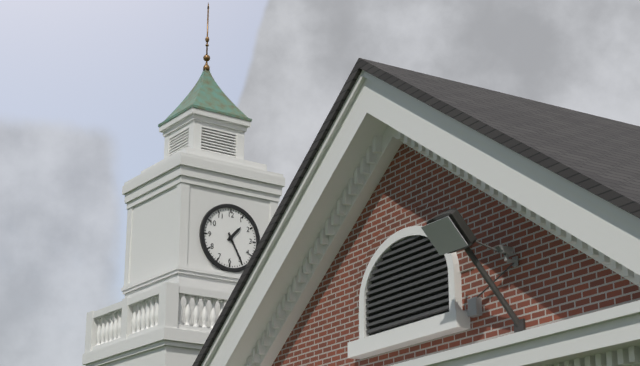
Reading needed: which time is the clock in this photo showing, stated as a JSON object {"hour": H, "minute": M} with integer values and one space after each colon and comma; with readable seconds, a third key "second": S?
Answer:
{"hour": 1, "minute": 25}
